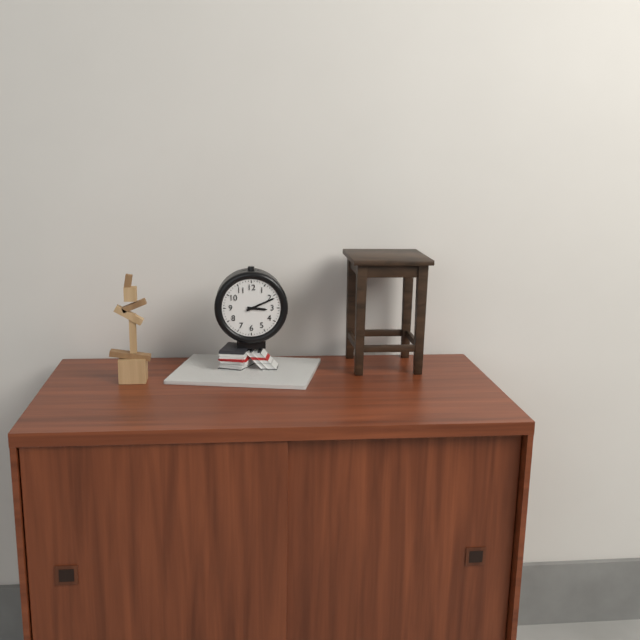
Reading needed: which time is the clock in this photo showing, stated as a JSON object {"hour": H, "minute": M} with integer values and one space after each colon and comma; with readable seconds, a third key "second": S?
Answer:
{"hour": 3, "minute": 11}
